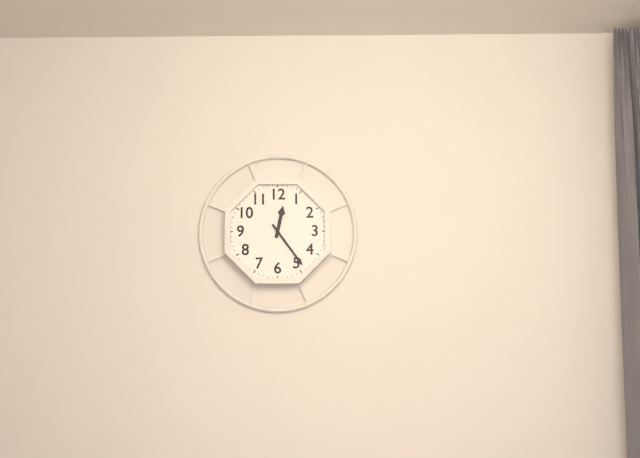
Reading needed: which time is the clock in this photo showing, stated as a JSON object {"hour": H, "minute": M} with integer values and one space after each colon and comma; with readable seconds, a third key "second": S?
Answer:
{"hour": 12, "minute": 24}
